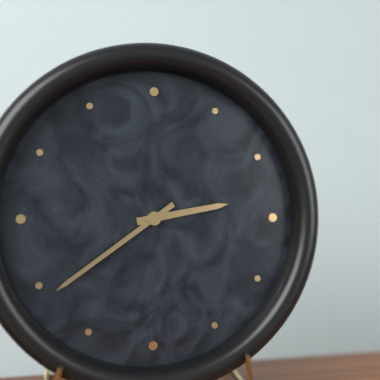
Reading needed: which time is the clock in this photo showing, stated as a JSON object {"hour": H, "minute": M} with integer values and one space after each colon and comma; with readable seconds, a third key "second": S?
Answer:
{"hour": 2, "minute": 39}
